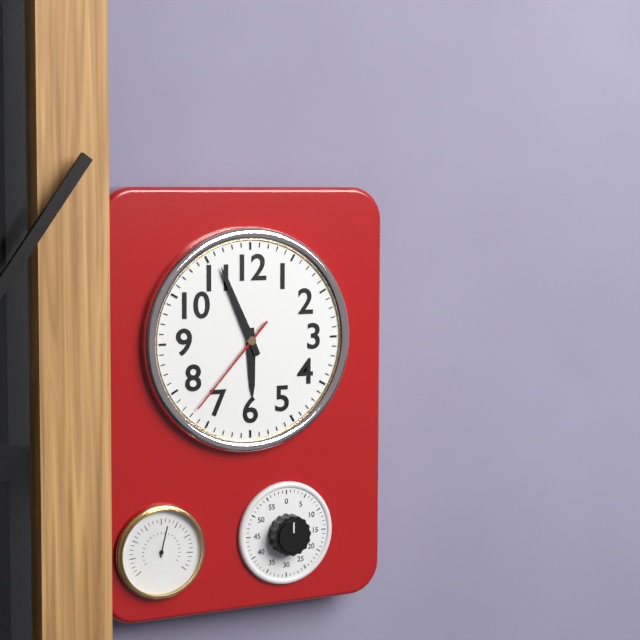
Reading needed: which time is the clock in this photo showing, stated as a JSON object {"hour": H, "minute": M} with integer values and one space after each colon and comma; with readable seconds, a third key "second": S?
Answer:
{"hour": 5, "minute": 56, "second": 37}
